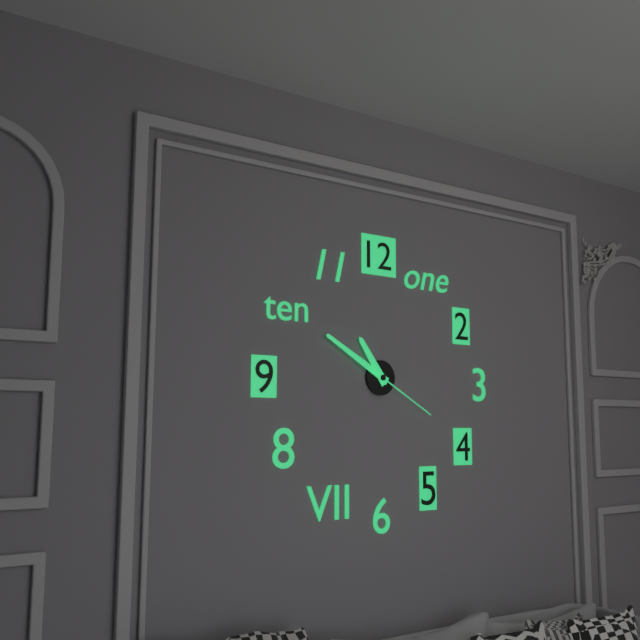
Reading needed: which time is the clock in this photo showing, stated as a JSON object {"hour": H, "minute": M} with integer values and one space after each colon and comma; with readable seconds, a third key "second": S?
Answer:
{"hour": 10, "minute": 50, "second": 20}
